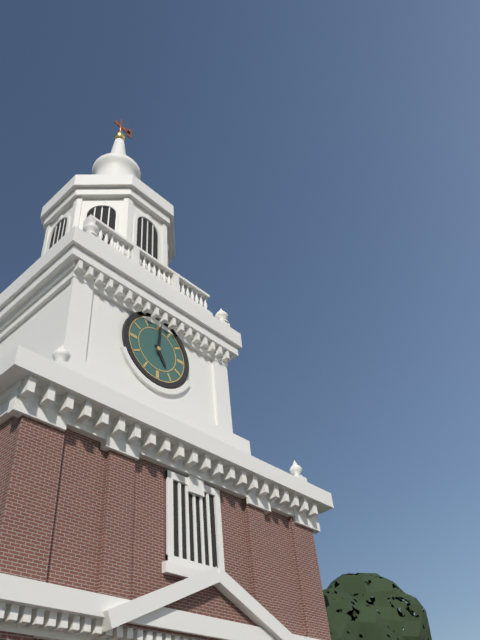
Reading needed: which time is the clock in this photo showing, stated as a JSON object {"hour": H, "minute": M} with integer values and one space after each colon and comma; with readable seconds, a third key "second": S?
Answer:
{"hour": 5, "minute": 1}
